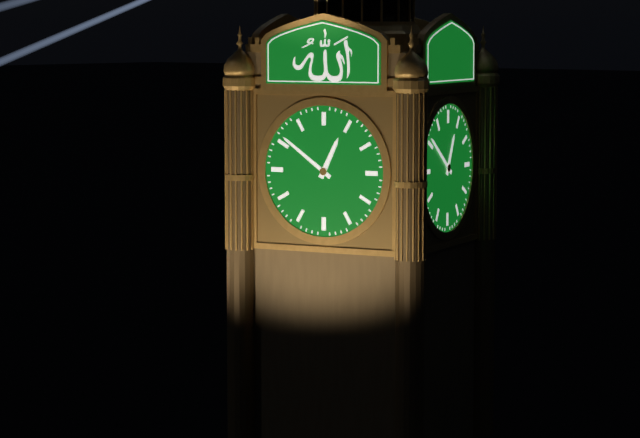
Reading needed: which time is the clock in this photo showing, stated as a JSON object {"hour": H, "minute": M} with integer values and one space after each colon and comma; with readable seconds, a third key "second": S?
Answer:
{"hour": 12, "minute": 51}
